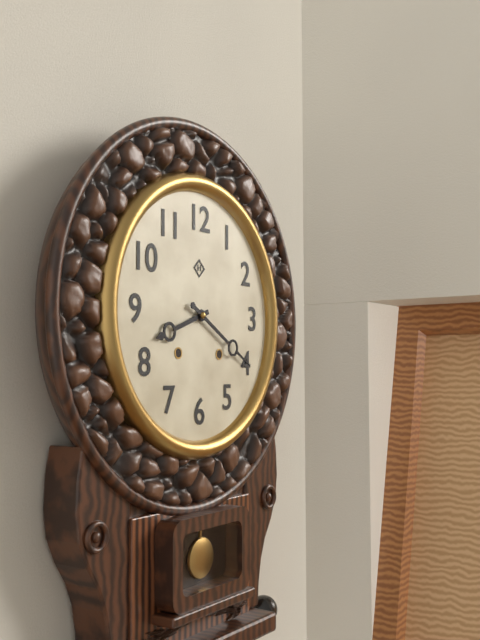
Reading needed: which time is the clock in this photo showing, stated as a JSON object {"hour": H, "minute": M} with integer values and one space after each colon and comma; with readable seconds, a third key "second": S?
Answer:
{"hour": 8, "minute": 20}
